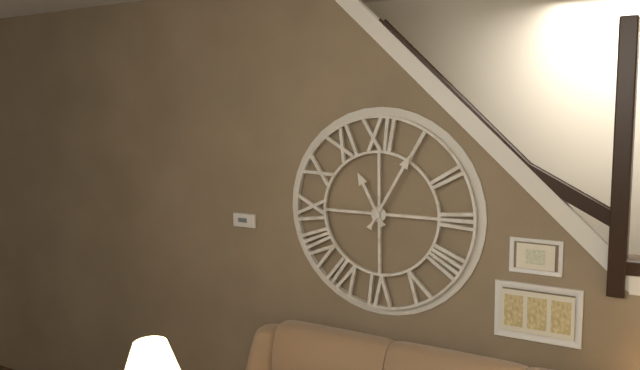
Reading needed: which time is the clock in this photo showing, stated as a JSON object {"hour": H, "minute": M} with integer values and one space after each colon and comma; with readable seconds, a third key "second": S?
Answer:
{"hour": 11, "minute": 5}
